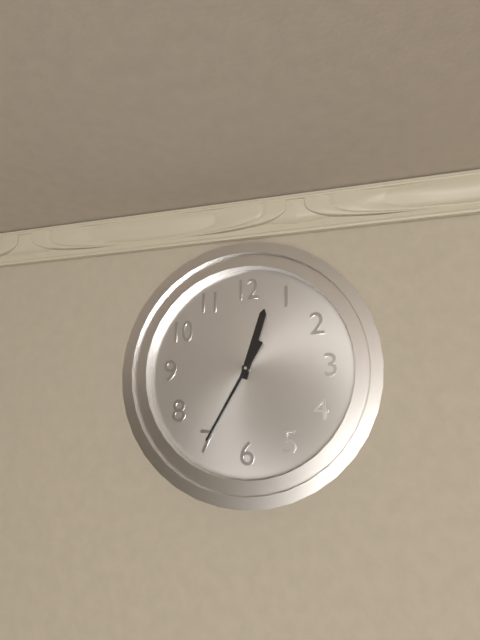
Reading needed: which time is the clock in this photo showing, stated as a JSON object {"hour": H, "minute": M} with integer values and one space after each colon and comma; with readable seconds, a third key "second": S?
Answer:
{"hour": 12, "minute": 35}
